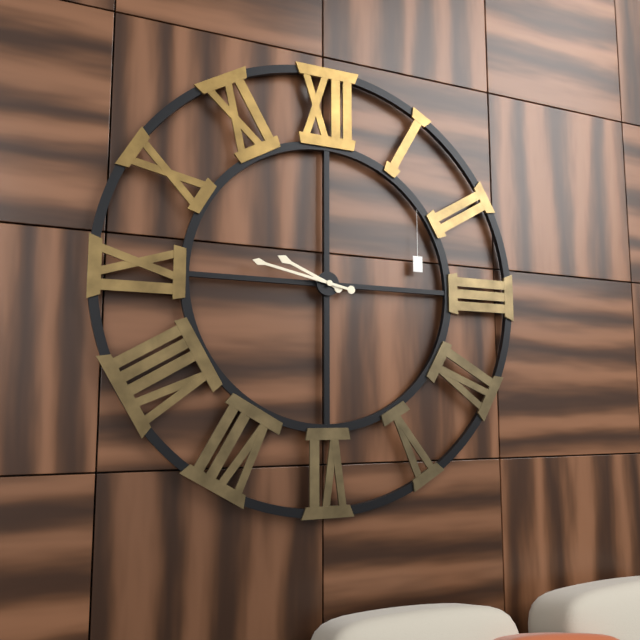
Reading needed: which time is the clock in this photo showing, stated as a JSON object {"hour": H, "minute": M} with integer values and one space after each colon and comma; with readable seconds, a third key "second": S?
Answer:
{"hour": 9, "minute": 47}
